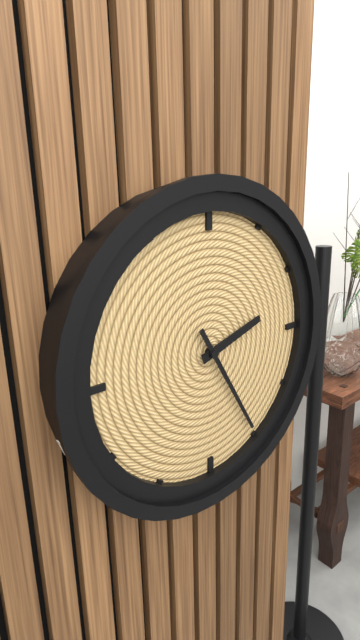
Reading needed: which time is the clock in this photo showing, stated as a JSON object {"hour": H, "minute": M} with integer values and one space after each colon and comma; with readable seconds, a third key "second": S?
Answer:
{"hour": 2, "minute": 25}
